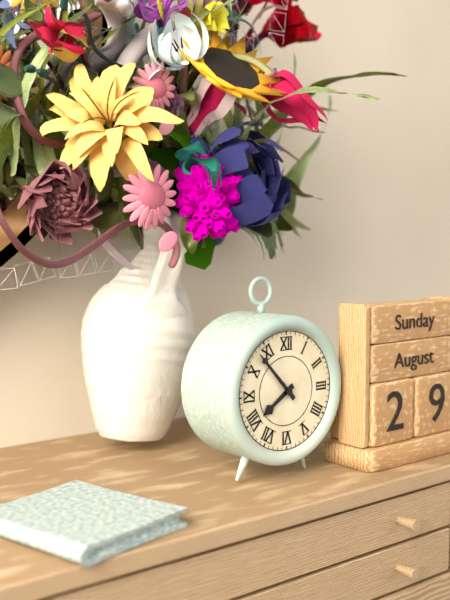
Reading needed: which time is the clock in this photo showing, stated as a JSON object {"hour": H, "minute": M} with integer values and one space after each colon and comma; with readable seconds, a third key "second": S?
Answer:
{"hour": 7, "minute": 53}
